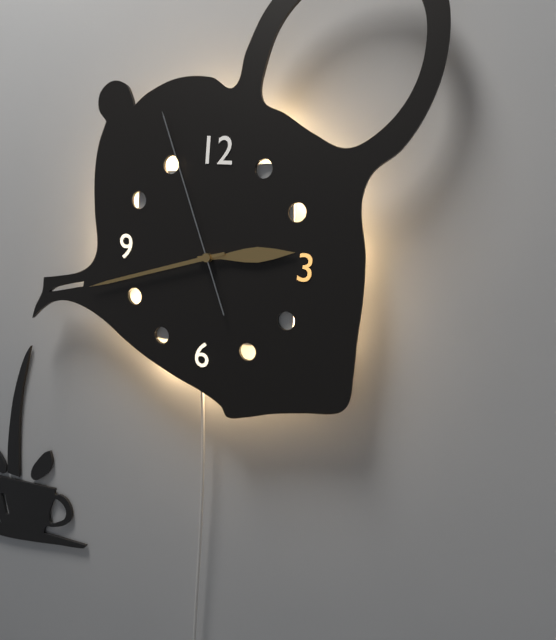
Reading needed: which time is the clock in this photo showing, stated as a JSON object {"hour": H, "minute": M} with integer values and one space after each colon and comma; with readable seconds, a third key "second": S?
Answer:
{"hour": 2, "minute": 42, "second": 56}
